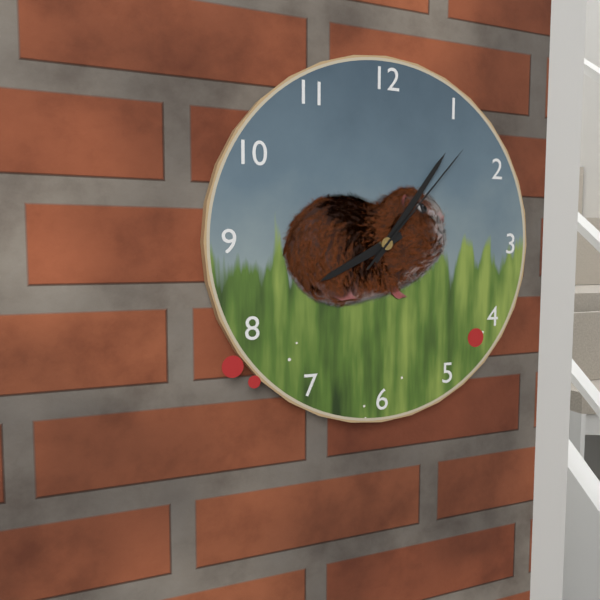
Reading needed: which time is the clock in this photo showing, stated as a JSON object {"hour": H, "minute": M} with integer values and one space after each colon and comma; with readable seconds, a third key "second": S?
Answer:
{"hour": 8, "minute": 6, "second": 7}
